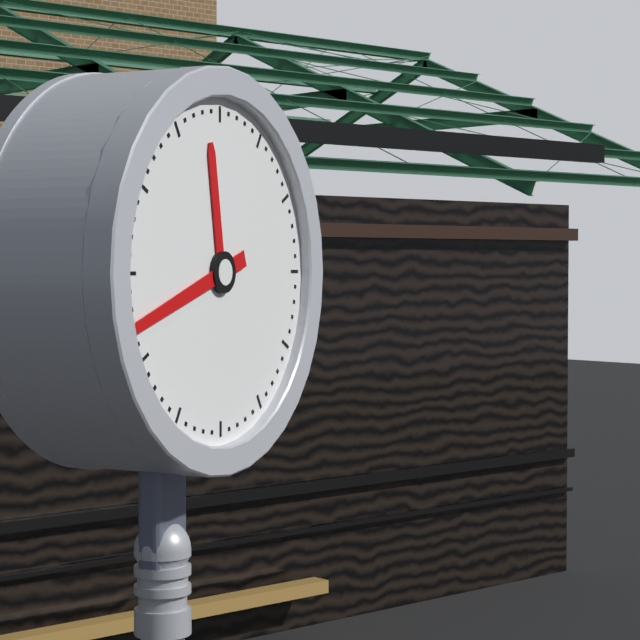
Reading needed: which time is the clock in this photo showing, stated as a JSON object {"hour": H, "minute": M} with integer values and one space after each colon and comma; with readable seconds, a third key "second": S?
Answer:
{"hour": 11, "minute": 42}
